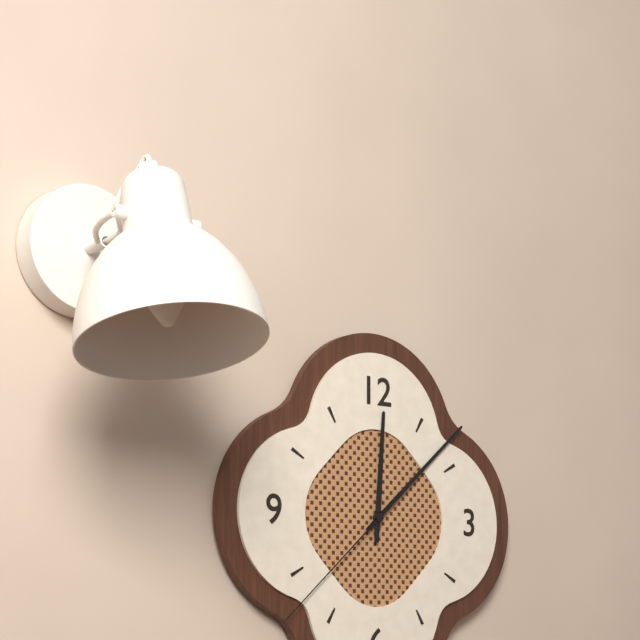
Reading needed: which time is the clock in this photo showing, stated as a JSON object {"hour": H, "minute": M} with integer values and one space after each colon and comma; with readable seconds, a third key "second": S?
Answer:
{"hour": 12, "minute": 8, "second": 38}
